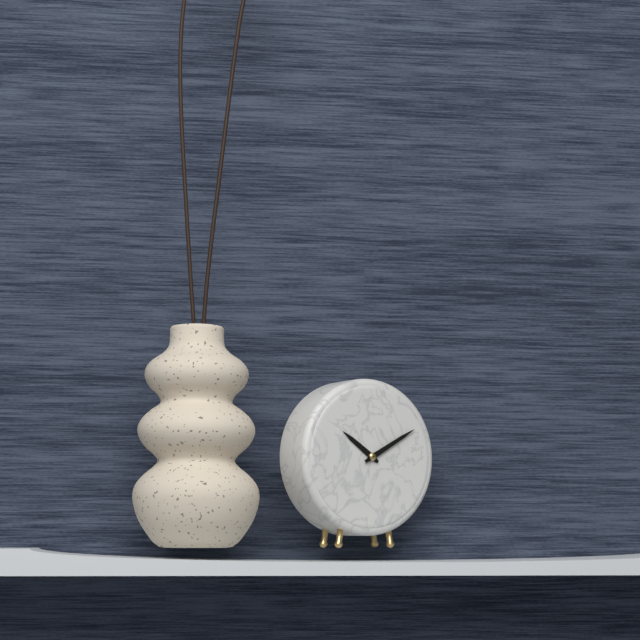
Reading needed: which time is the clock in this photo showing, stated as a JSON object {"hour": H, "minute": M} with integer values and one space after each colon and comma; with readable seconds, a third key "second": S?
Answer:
{"hour": 10, "minute": 10}
